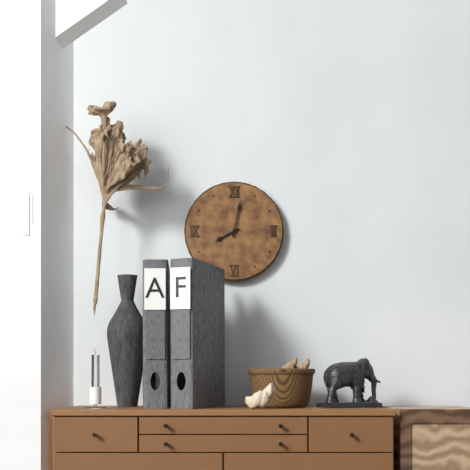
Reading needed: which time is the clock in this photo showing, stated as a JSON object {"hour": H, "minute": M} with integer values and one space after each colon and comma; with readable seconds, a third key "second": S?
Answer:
{"hour": 8, "minute": 2}
